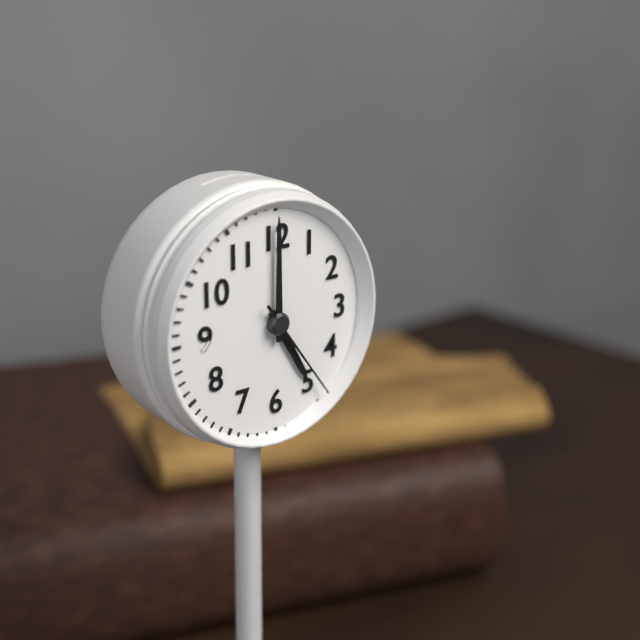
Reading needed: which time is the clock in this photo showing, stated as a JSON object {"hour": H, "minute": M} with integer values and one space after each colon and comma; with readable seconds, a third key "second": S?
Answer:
{"hour": 5, "minute": 0, "second": 24}
